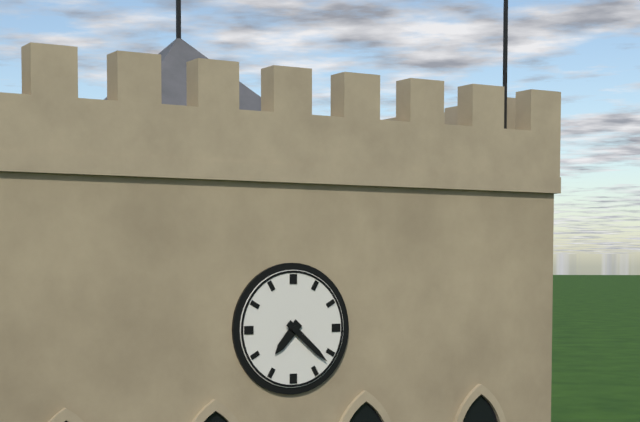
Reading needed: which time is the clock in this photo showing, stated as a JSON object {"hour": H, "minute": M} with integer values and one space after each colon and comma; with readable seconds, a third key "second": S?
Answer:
{"hour": 7, "minute": 22}
